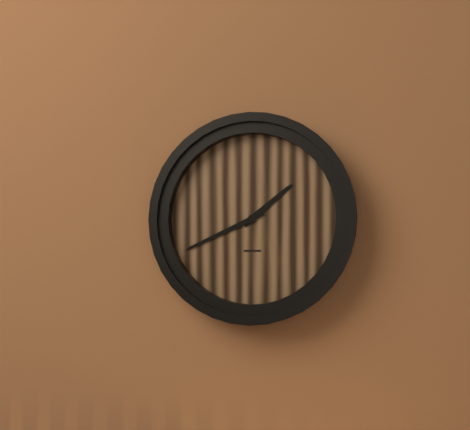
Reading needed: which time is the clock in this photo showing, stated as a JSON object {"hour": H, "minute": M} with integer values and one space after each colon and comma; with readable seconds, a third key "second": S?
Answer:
{"hour": 1, "minute": 41}
